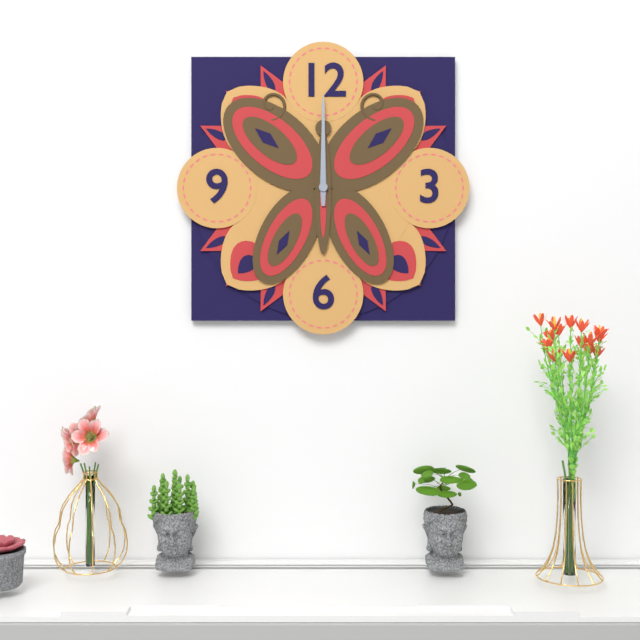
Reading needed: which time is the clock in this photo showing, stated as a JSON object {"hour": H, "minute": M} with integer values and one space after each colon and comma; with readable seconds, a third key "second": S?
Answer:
{"hour": 12, "minute": 0}
